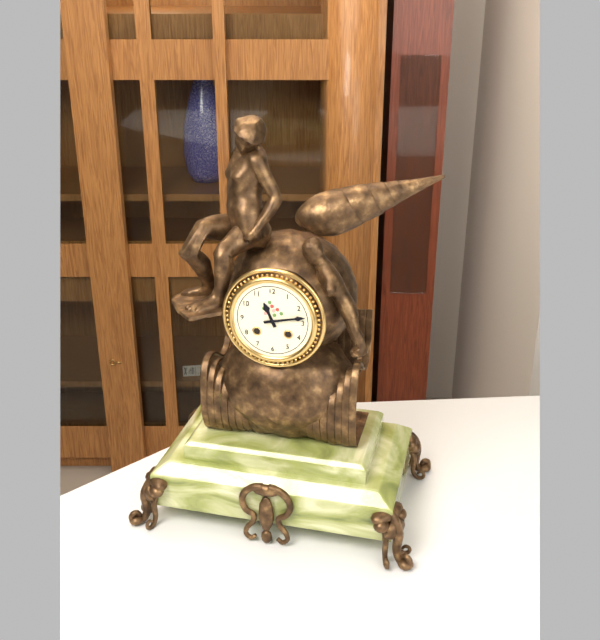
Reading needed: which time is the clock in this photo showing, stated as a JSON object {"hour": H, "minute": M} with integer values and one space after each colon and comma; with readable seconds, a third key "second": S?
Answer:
{"hour": 11, "minute": 13}
